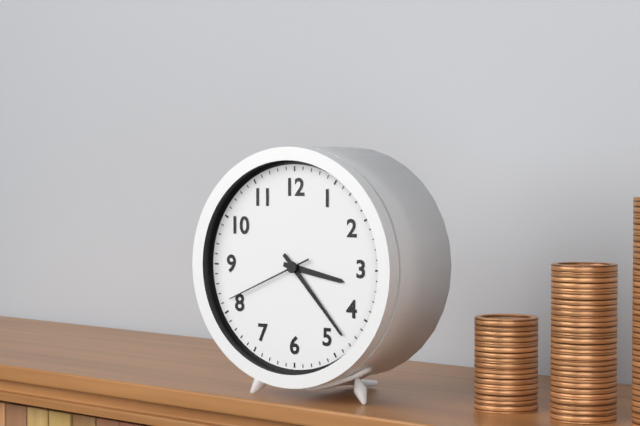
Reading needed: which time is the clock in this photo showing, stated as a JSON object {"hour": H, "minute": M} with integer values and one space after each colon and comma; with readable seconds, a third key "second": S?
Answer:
{"hour": 3, "minute": 23, "second": 41}
